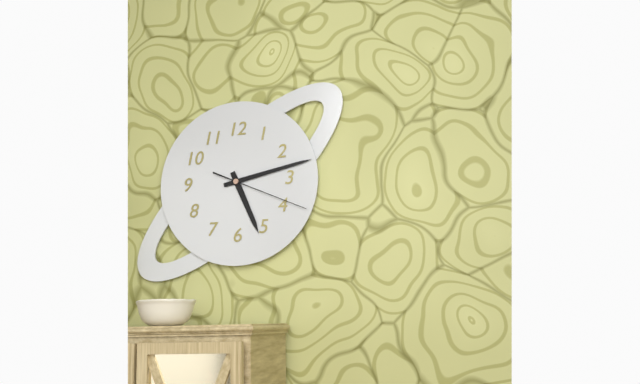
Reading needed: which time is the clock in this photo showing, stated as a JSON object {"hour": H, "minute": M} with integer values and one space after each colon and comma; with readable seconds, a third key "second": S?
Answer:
{"hour": 5, "minute": 13, "second": 19}
